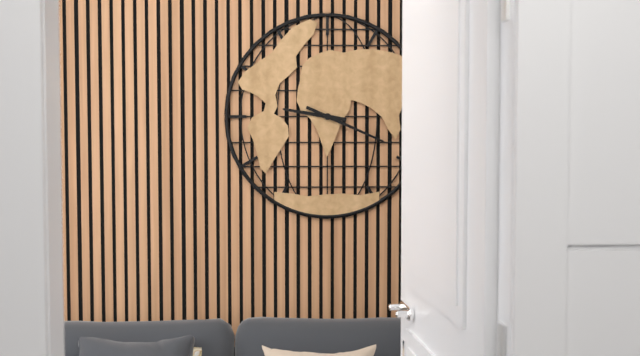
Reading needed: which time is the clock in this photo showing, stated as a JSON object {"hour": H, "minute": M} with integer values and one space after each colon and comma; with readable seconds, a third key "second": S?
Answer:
{"hour": 9, "minute": 19}
